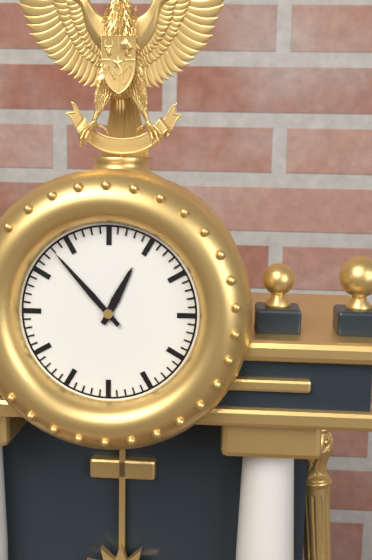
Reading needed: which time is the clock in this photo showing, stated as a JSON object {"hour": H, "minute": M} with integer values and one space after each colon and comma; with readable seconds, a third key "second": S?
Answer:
{"hour": 12, "minute": 53}
